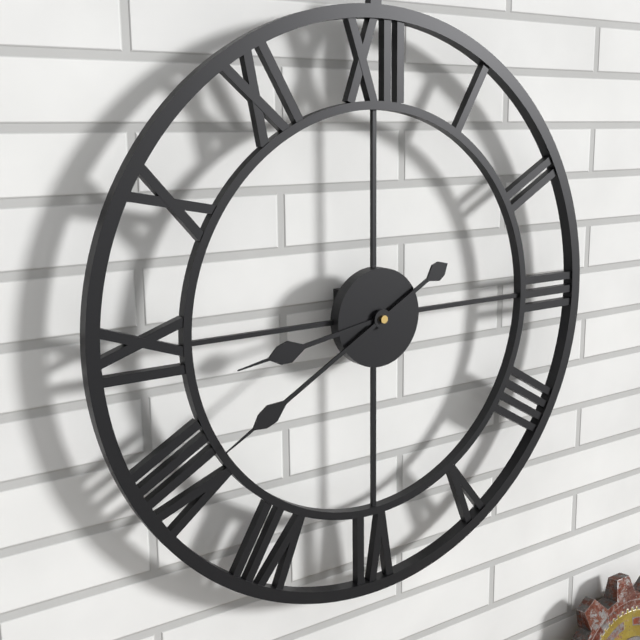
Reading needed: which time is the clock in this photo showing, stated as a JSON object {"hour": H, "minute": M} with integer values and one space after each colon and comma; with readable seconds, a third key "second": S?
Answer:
{"hour": 8, "minute": 40}
